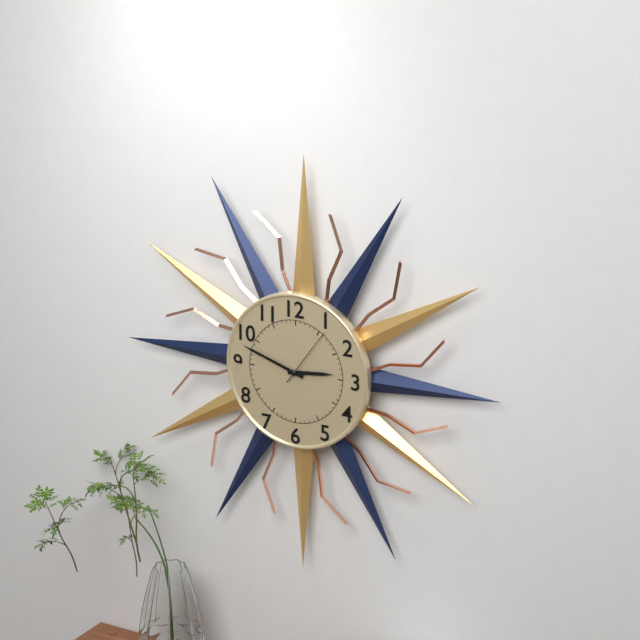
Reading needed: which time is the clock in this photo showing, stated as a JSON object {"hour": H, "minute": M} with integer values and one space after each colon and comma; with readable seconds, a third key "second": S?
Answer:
{"hour": 2, "minute": 48, "second": 6}
